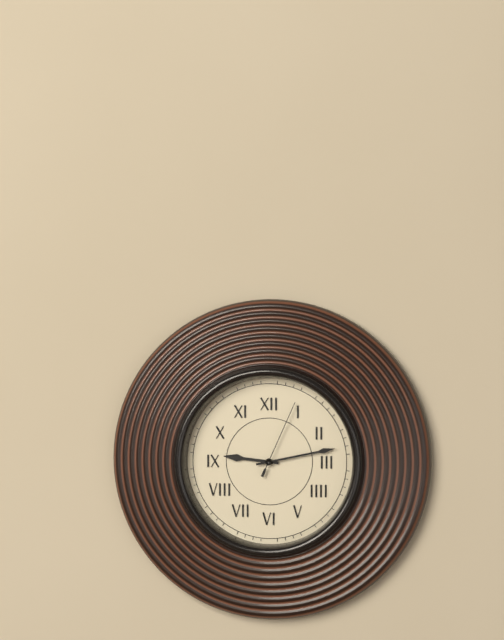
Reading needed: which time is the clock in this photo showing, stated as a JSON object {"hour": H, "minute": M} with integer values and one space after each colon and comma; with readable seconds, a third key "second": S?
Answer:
{"hour": 9, "minute": 13, "second": 4}
